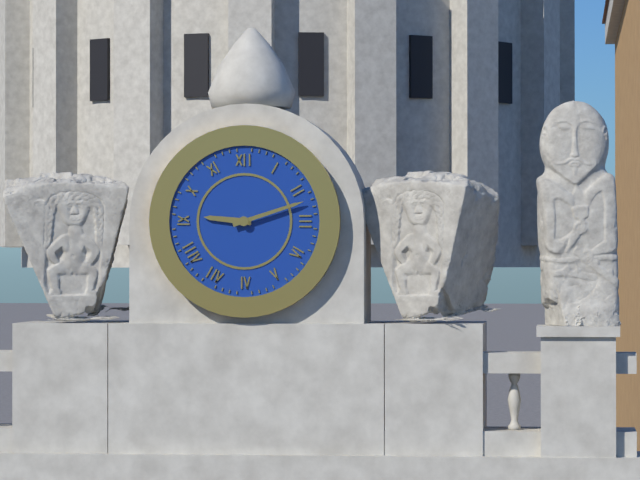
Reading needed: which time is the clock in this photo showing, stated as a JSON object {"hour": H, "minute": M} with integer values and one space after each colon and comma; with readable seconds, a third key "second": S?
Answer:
{"hour": 9, "minute": 12}
